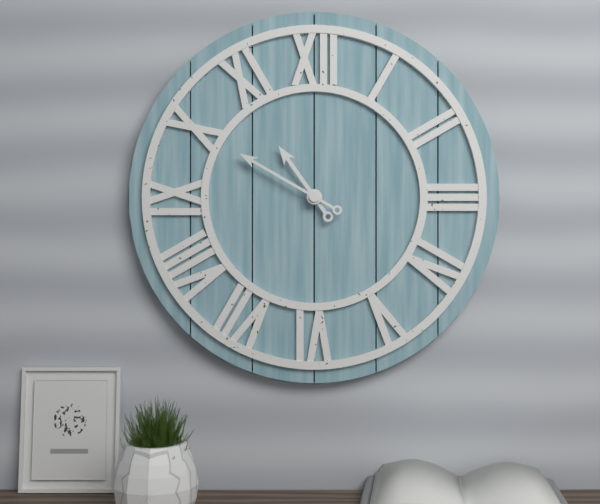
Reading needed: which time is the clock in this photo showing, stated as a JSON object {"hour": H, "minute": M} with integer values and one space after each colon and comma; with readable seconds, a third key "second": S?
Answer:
{"hour": 10, "minute": 50}
